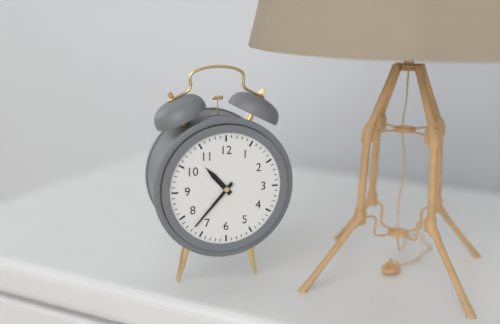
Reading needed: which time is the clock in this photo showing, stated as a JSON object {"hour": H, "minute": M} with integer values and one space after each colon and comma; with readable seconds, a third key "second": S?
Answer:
{"hour": 10, "minute": 37}
